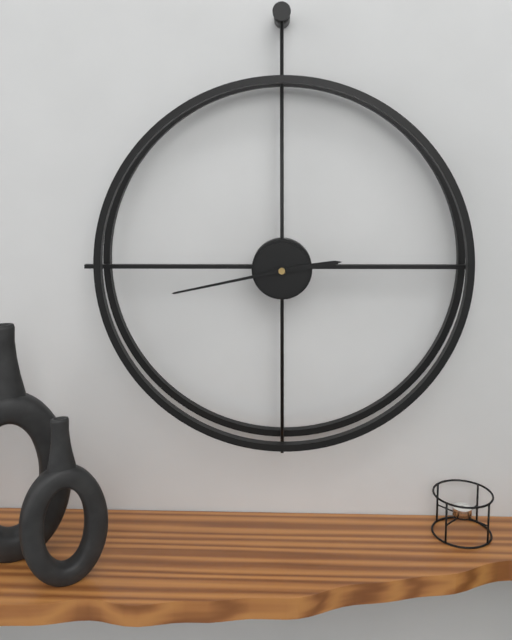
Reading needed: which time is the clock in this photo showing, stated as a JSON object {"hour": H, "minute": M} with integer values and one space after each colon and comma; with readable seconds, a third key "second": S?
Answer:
{"hour": 2, "minute": 43}
